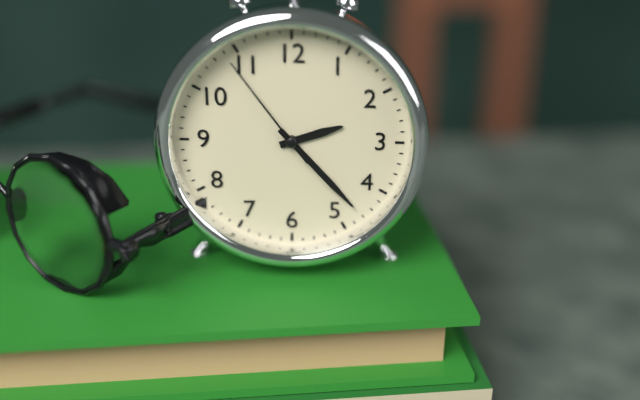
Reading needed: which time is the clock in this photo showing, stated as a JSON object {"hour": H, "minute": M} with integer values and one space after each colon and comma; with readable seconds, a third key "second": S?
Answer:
{"hour": 2, "minute": 23, "second": 54}
